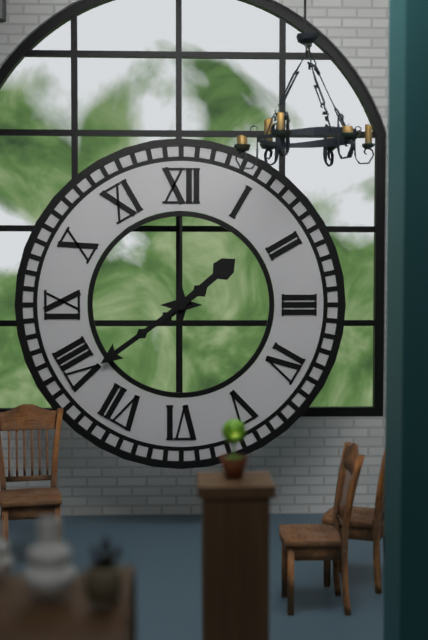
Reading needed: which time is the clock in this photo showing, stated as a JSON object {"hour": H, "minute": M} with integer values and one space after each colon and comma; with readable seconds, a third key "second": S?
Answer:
{"hour": 1, "minute": 39}
